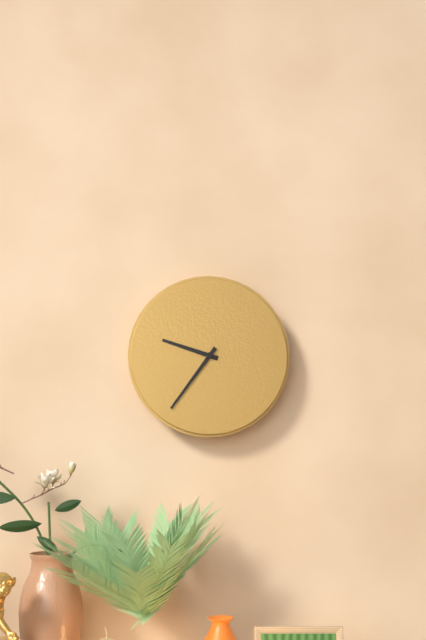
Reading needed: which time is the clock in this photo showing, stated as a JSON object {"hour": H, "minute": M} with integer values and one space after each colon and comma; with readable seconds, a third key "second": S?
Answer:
{"hour": 9, "minute": 36}
